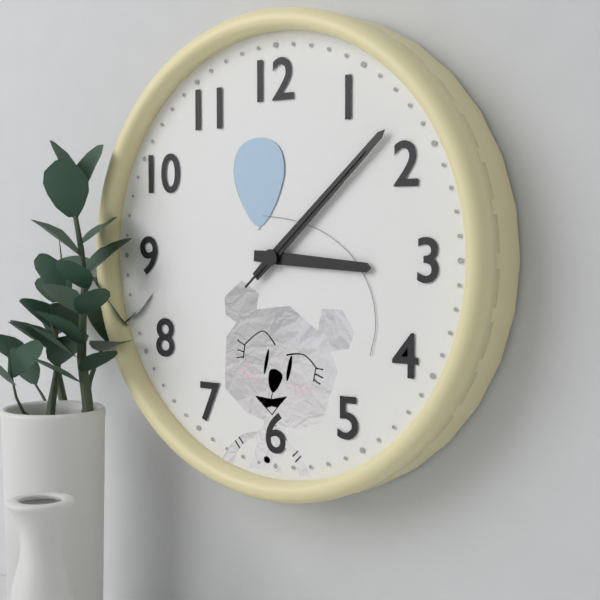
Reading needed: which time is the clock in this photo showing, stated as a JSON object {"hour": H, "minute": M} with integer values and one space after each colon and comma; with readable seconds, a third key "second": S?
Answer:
{"hour": 3, "minute": 8, "second": 8}
